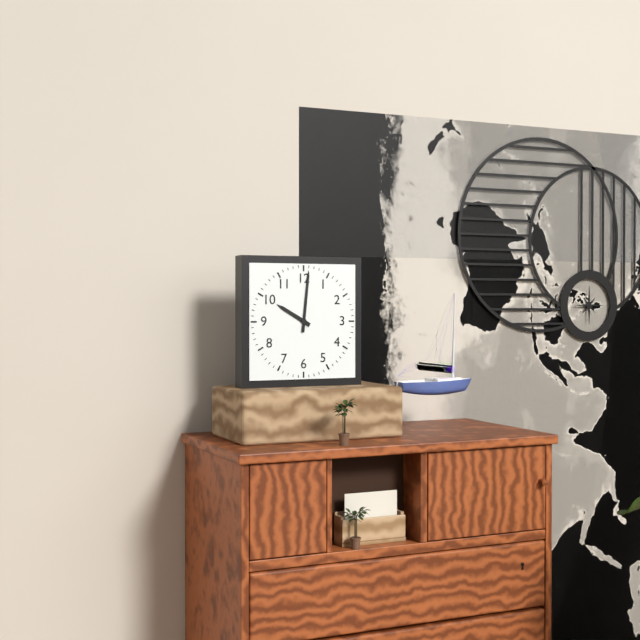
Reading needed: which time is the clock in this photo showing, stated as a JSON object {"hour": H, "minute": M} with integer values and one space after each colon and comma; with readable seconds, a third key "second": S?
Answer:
{"hour": 10, "minute": 1}
